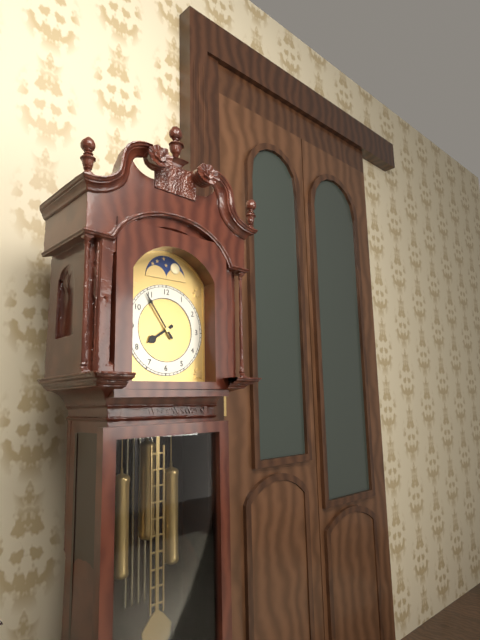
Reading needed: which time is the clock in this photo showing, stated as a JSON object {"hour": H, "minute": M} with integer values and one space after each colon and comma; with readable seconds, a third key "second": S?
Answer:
{"hour": 7, "minute": 54}
